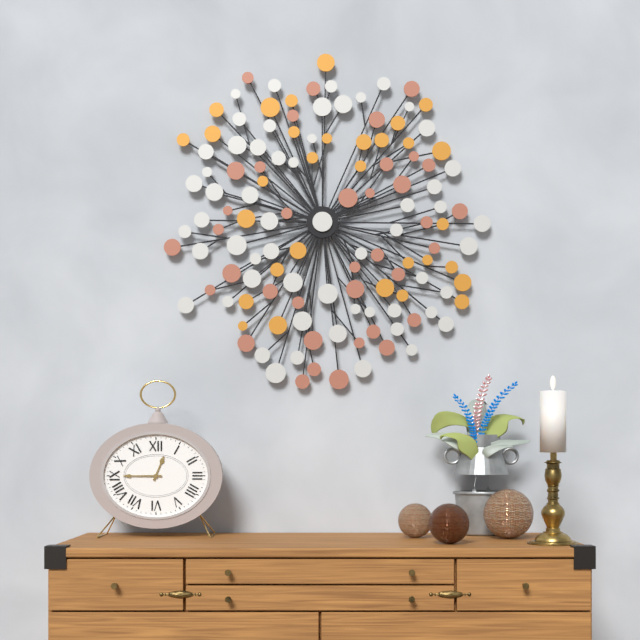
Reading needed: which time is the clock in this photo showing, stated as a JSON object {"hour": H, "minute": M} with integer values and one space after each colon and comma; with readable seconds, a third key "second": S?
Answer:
{"hour": 12, "minute": 45}
